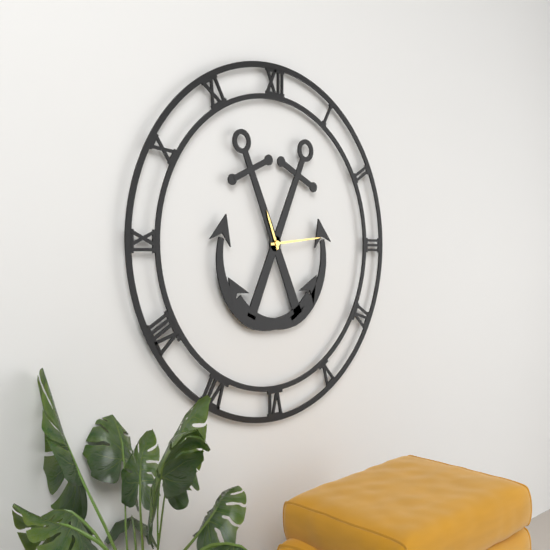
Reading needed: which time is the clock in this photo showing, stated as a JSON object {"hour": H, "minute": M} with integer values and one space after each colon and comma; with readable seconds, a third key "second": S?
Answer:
{"hour": 11, "minute": 14}
